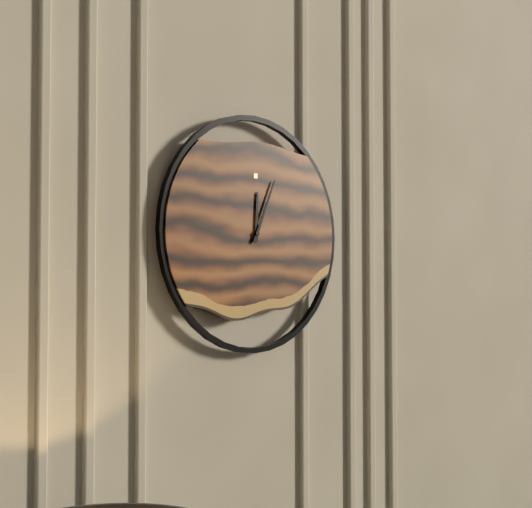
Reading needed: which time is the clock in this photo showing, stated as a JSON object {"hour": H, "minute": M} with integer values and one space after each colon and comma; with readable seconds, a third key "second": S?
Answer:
{"hour": 12, "minute": 4}
